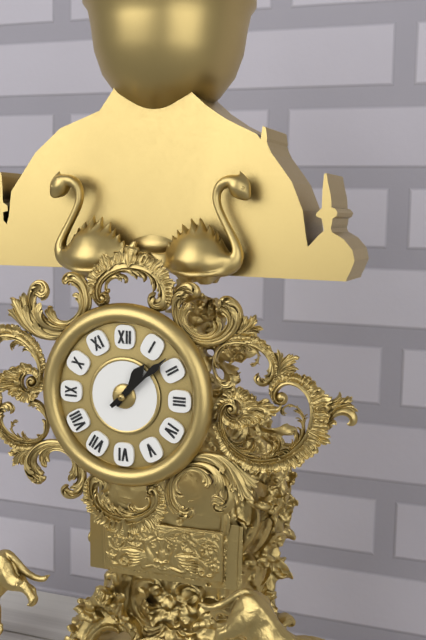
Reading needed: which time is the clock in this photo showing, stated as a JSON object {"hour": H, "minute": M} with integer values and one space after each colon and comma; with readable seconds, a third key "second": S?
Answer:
{"hour": 1, "minute": 8}
